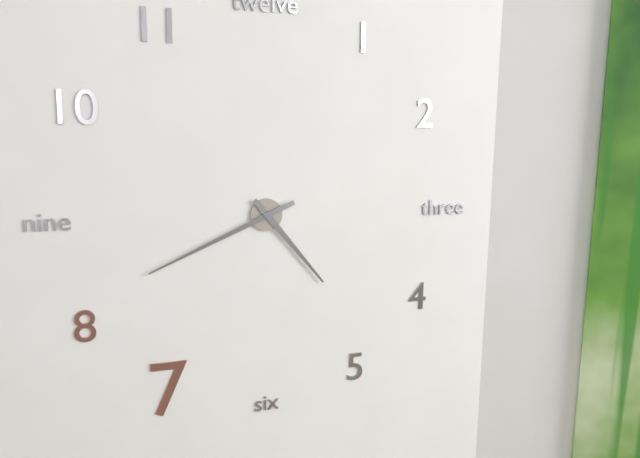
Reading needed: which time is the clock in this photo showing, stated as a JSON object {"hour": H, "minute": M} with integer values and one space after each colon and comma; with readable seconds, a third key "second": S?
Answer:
{"hour": 4, "minute": 41}
